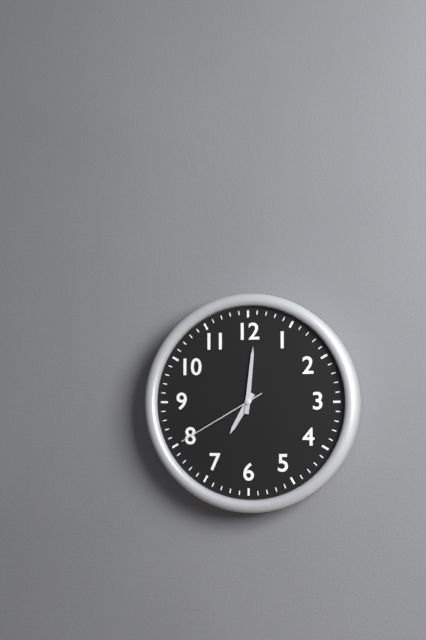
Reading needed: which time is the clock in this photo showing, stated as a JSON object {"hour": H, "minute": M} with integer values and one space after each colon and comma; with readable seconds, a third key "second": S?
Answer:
{"hour": 7, "minute": 1, "second": 40}
